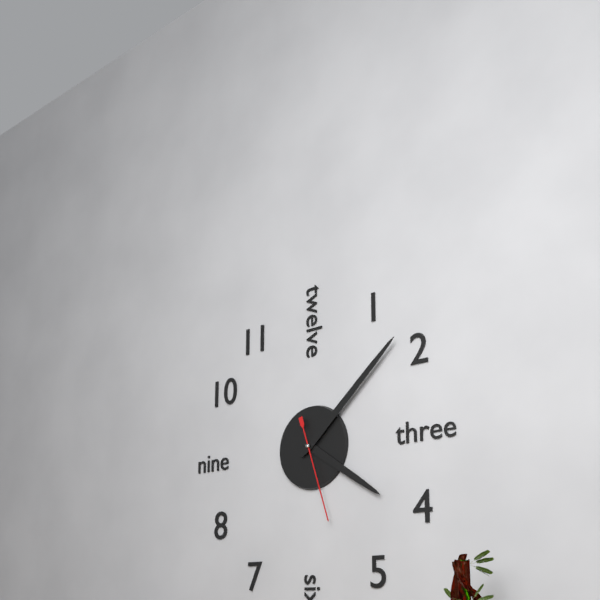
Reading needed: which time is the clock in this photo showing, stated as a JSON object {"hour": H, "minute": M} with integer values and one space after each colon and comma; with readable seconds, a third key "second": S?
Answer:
{"hour": 4, "minute": 8, "second": 27}
